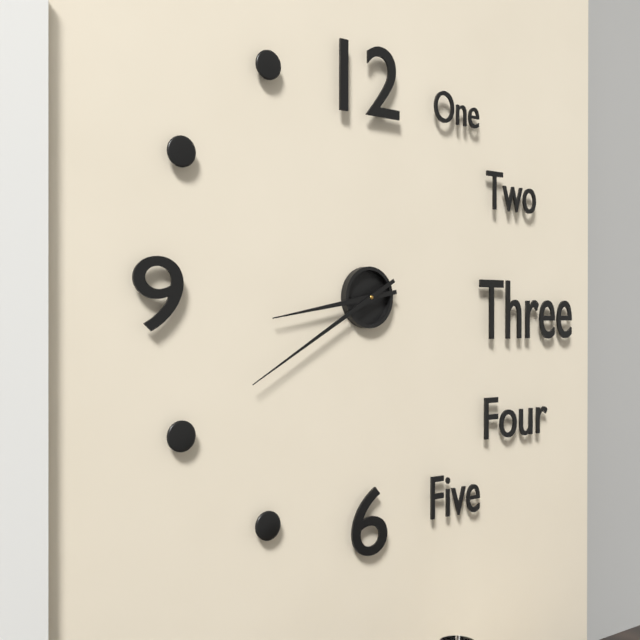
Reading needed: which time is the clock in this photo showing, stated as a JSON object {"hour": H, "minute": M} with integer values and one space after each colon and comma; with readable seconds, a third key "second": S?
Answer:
{"hour": 8, "minute": 40}
